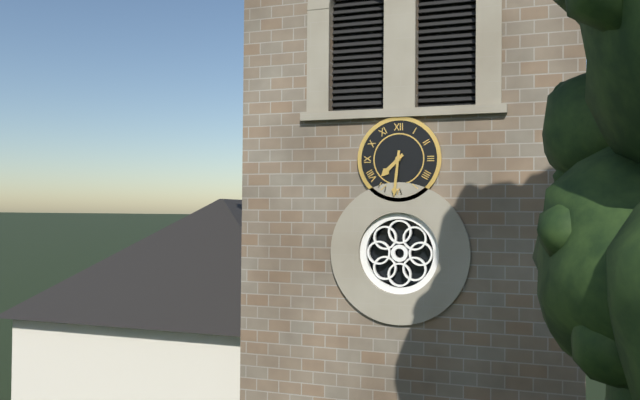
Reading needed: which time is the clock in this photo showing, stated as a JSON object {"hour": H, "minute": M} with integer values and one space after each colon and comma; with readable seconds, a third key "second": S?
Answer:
{"hour": 7, "minute": 31}
